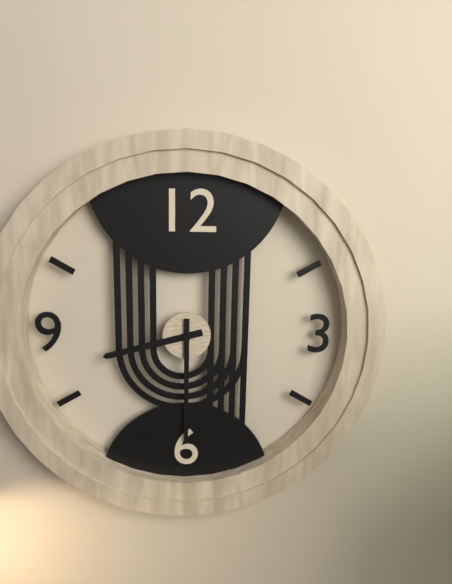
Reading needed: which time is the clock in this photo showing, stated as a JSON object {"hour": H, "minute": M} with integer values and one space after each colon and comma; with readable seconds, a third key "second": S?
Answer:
{"hour": 8, "minute": 30}
